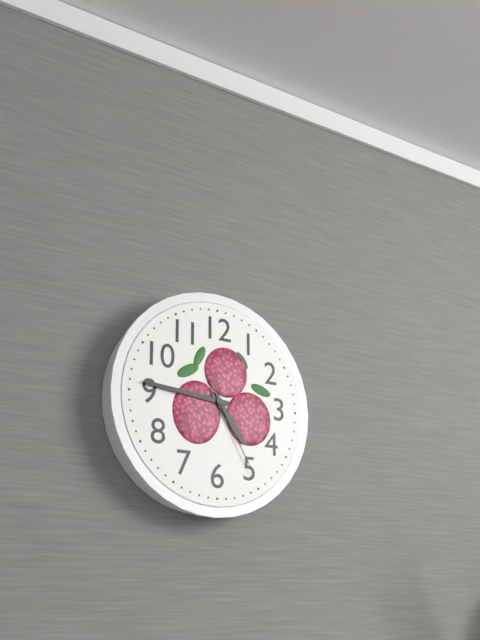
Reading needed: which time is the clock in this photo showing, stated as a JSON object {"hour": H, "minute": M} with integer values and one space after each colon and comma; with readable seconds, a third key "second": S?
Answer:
{"hour": 4, "minute": 46, "second": 25}
